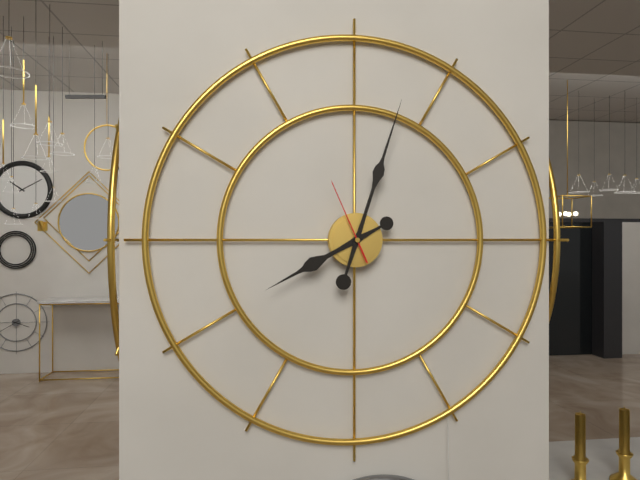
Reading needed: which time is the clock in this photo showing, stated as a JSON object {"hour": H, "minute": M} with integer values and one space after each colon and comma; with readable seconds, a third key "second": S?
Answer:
{"hour": 8, "minute": 3, "second": 56}
